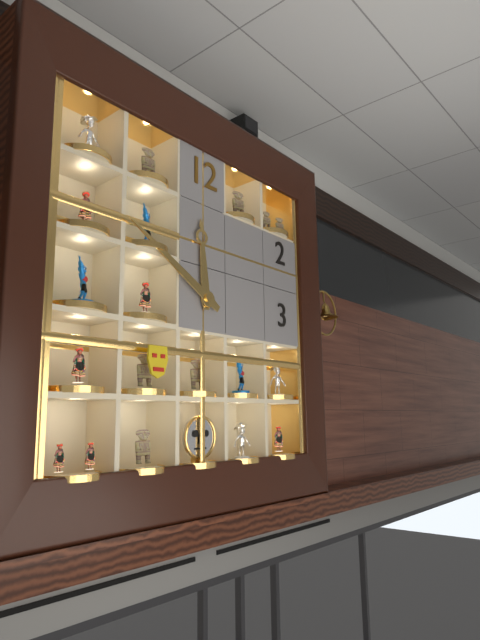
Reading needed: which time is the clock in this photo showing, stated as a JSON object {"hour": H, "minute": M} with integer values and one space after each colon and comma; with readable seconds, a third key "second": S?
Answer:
{"hour": 11, "minute": 50}
